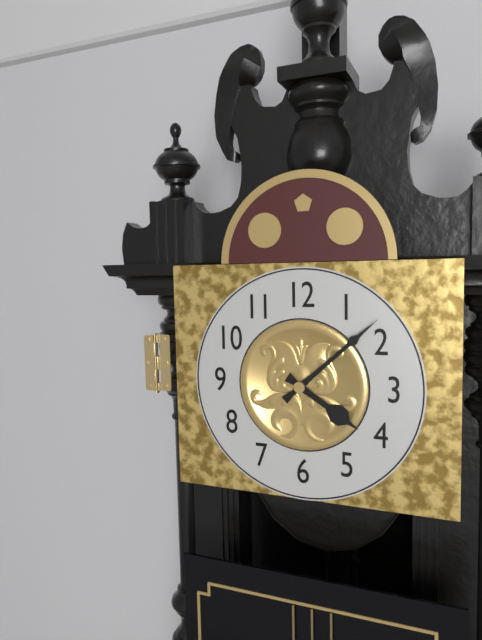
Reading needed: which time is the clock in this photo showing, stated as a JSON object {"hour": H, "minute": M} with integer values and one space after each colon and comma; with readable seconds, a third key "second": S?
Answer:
{"hour": 4, "minute": 8}
